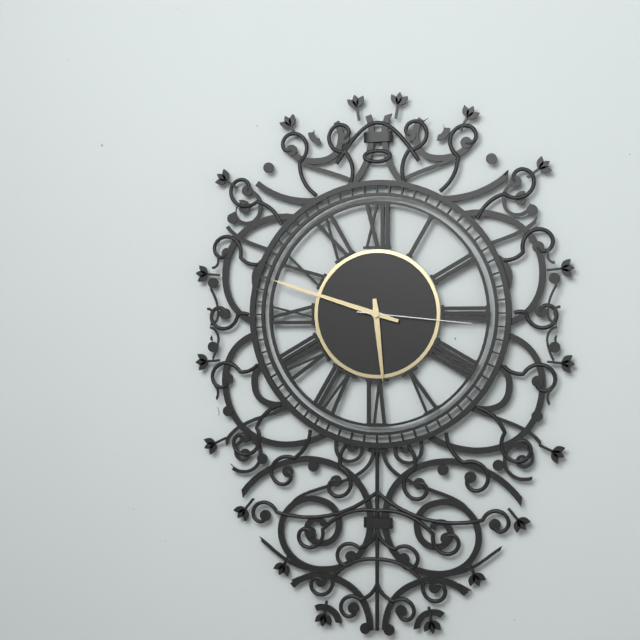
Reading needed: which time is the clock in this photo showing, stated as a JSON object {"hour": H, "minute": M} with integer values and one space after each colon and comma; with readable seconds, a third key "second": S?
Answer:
{"hour": 5, "minute": 48, "second": 16}
